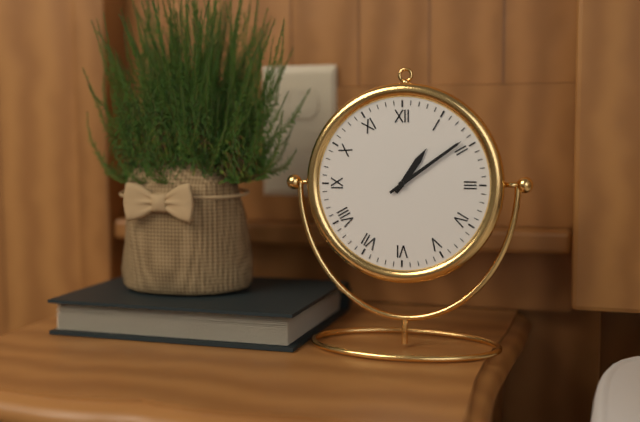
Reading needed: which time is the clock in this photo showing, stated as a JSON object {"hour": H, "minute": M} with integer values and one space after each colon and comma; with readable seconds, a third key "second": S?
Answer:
{"hour": 1, "minute": 9}
